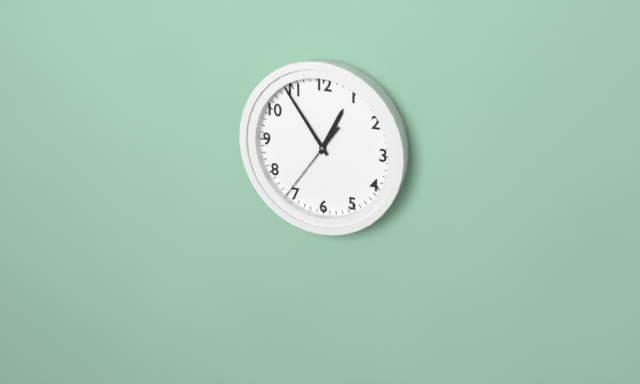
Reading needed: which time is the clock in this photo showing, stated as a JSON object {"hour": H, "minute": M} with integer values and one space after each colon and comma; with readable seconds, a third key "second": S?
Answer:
{"hour": 12, "minute": 54, "second": 36}
